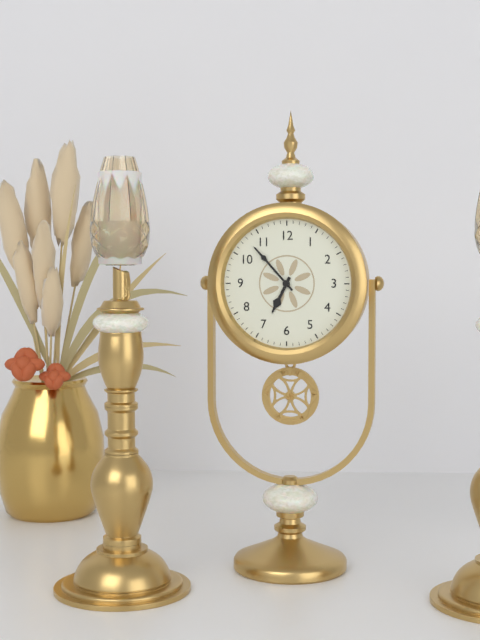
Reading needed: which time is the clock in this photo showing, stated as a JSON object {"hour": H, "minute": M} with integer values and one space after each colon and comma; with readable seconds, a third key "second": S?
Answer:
{"hour": 6, "minute": 53}
